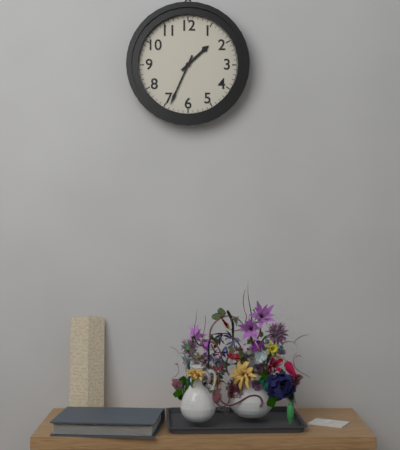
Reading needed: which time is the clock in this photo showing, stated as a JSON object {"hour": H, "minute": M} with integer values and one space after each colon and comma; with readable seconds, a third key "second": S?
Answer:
{"hour": 1, "minute": 34}
